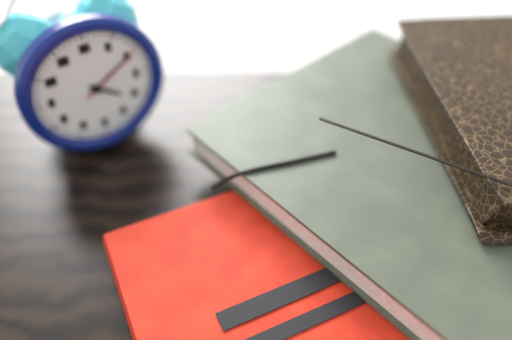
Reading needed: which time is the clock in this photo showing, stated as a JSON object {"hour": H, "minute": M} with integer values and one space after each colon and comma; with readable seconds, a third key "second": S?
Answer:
{"hour": 4, "minute": 10, "second": 10}
